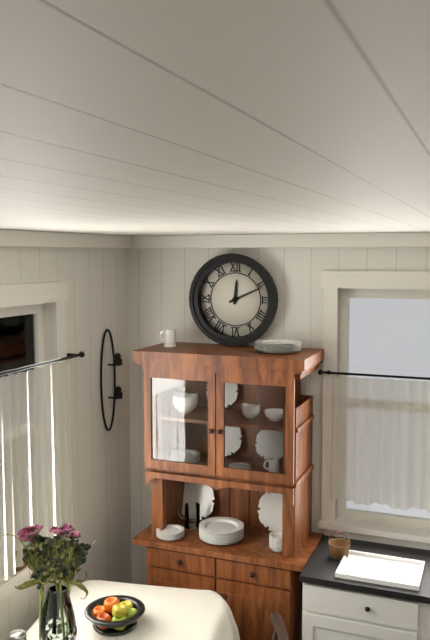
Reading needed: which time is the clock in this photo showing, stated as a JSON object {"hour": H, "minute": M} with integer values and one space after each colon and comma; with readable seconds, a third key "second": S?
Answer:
{"hour": 12, "minute": 11}
